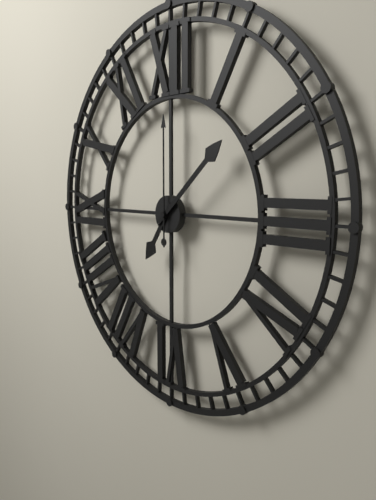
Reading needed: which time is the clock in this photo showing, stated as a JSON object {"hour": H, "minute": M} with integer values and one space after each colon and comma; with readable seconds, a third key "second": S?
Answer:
{"hour": 7, "minute": 8, "second": 0}
